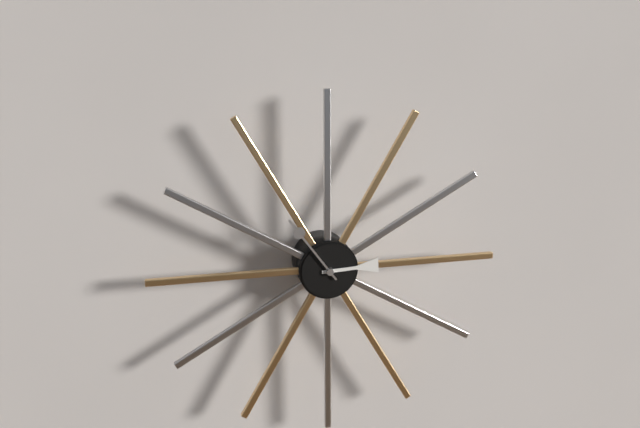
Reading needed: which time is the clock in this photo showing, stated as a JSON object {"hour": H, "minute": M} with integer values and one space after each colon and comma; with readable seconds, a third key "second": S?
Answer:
{"hour": 2, "minute": 54}
